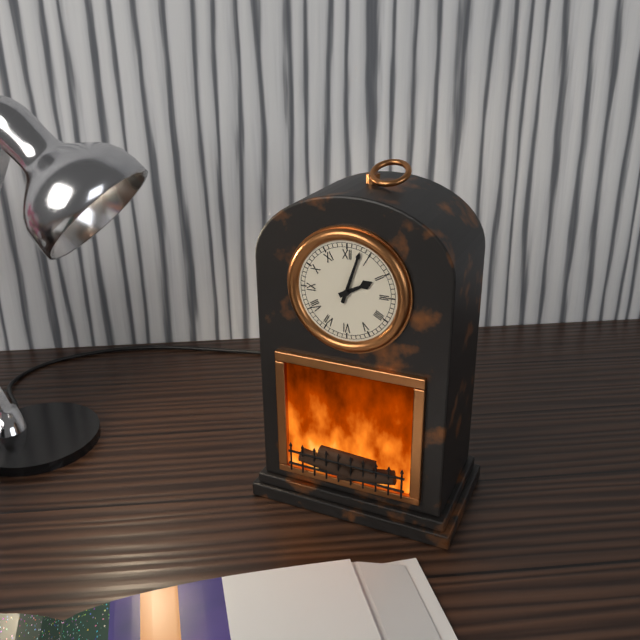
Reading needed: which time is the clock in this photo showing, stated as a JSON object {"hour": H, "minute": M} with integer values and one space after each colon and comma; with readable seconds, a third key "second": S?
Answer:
{"hour": 2, "minute": 3}
